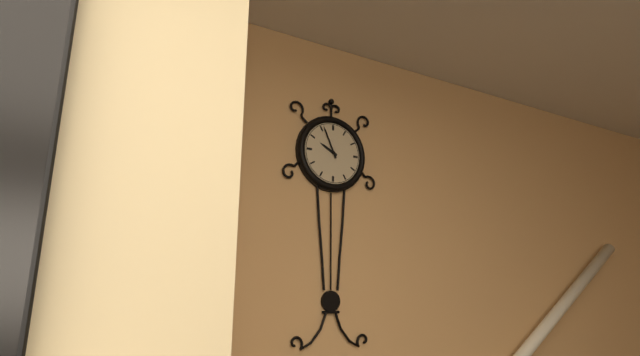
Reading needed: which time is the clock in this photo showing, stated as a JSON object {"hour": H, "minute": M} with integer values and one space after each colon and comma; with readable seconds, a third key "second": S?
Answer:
{"hour": 9, "minute": 56}
